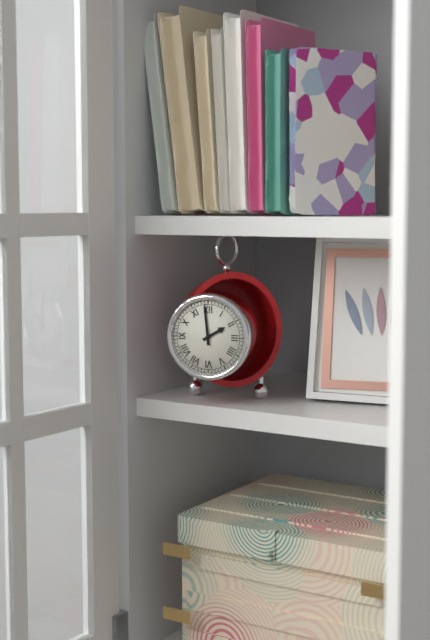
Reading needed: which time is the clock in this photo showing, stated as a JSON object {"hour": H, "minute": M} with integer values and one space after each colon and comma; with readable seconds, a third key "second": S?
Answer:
{"hour": 1, "minute": 59}
